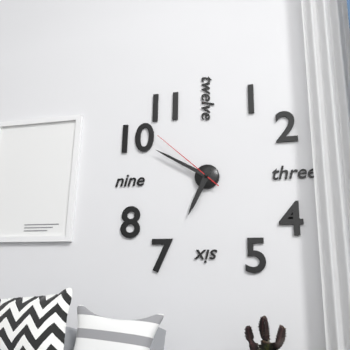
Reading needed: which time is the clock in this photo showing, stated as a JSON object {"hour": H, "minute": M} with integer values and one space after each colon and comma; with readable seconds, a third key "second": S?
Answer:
{"hour": 6, "minute": 50, "second": 52}
